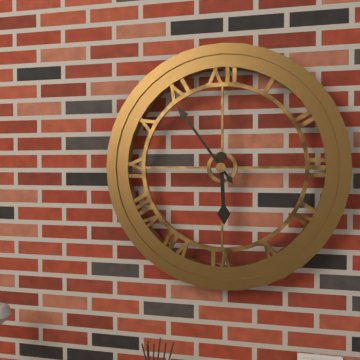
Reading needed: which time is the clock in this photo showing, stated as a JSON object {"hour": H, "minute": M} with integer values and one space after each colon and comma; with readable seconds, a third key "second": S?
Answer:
{"hour": 5, "minute": 54}
